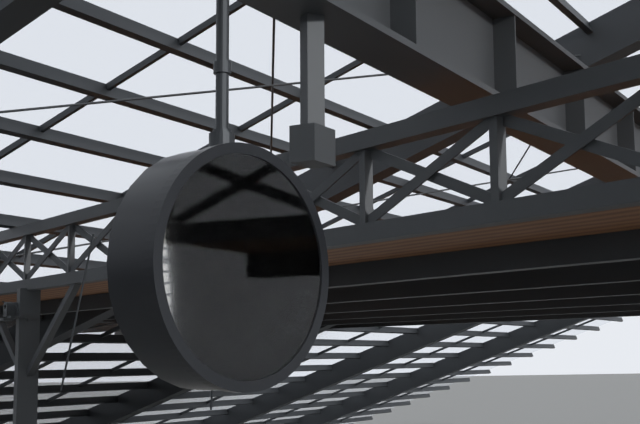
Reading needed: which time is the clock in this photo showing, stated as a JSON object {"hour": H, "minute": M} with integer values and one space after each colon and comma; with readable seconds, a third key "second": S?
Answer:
{"hour": 11, "minute": 51, "second": 2}
